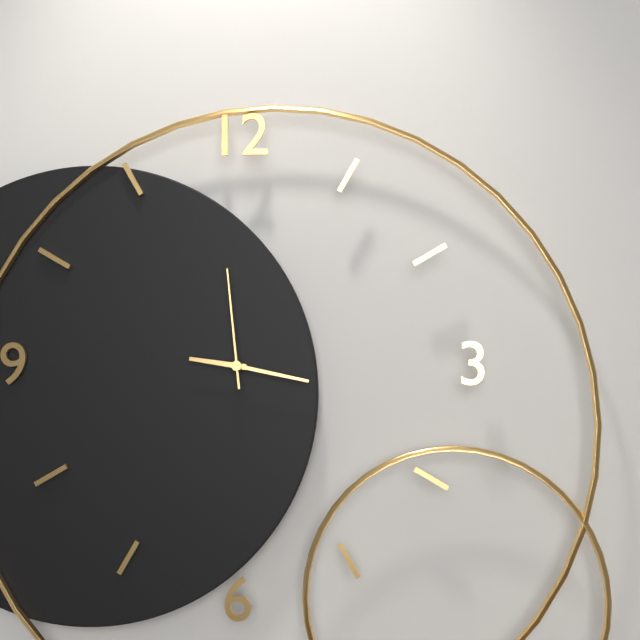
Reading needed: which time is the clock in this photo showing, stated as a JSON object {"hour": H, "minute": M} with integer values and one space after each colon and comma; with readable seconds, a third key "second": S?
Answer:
{"hour": 9, "minute": 17, "second": 59}
